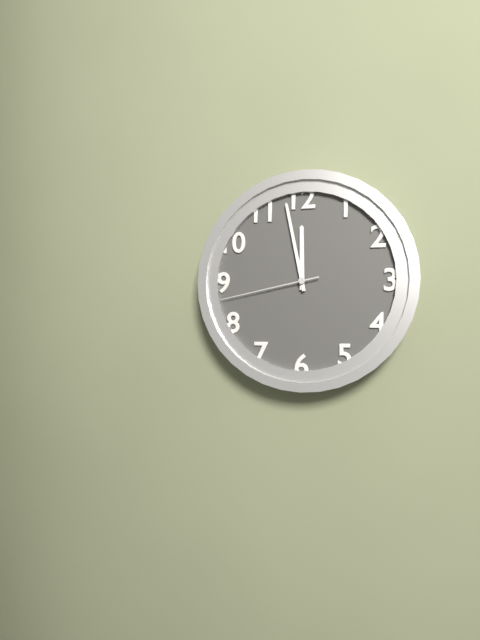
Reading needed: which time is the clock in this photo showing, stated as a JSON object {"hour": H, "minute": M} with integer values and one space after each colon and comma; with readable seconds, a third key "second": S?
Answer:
{"hour": 11, "minute": 58, "second": 43}
